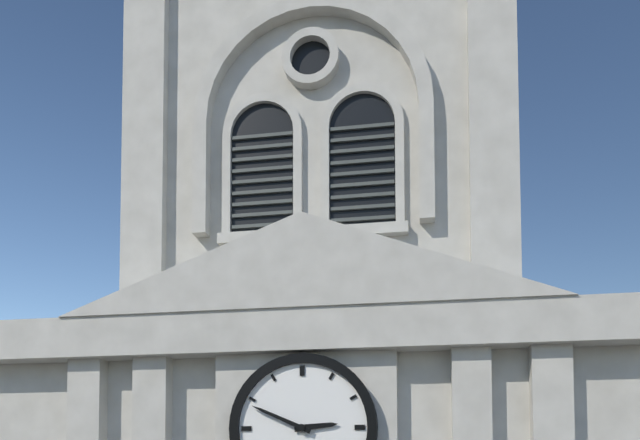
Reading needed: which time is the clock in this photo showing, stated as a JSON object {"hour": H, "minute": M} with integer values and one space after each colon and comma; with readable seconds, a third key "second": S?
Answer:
{"hour": 2, "minute": 49}
